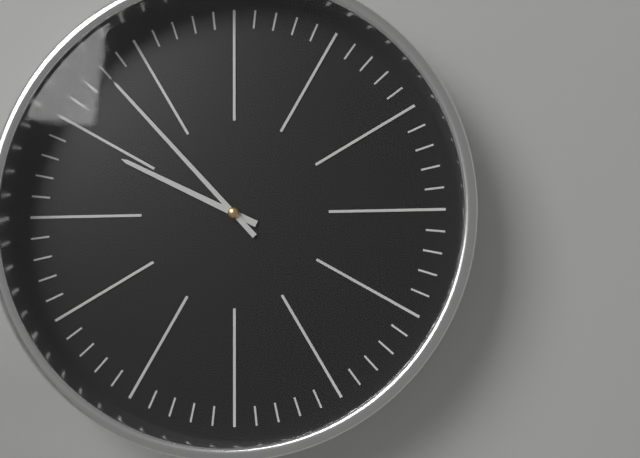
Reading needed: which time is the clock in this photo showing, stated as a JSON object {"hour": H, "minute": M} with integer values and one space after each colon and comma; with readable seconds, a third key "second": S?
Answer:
{"hour": 9, "minute": 53}
